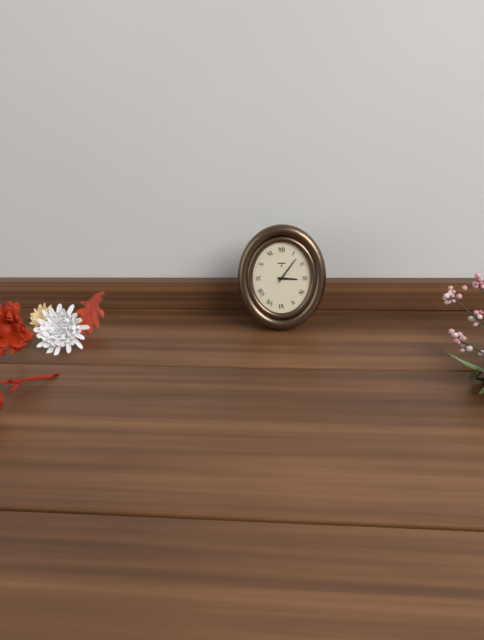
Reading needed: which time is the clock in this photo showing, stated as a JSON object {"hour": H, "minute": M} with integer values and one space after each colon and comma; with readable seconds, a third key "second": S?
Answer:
{"hour": 3, "minute": 6}
